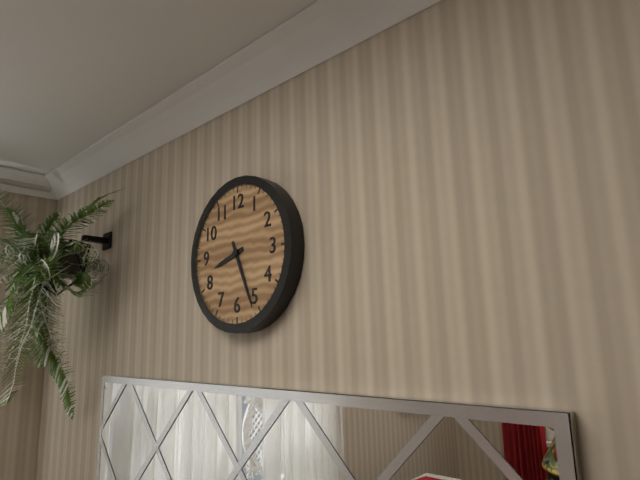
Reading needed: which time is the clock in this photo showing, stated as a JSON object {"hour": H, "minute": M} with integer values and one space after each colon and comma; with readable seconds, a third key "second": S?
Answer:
{"hour": 8, "minute": 26}
